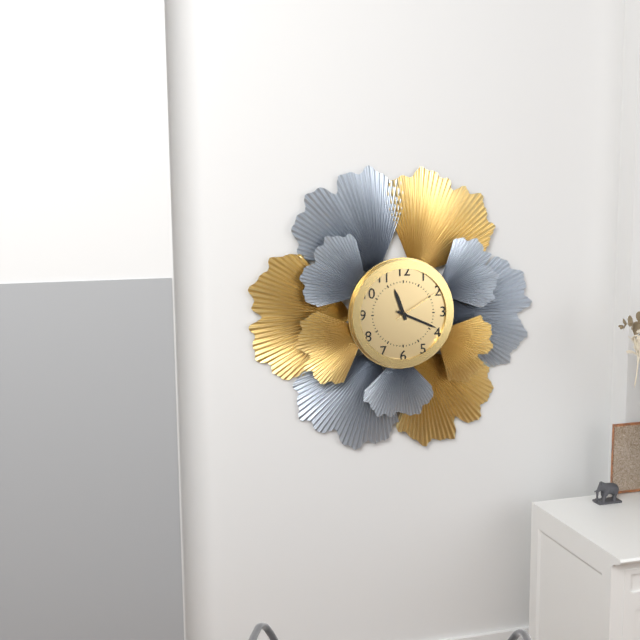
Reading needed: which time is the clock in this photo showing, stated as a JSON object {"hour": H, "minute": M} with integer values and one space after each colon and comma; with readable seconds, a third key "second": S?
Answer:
{"hour": 11, "minute": 19, "second": 10}
